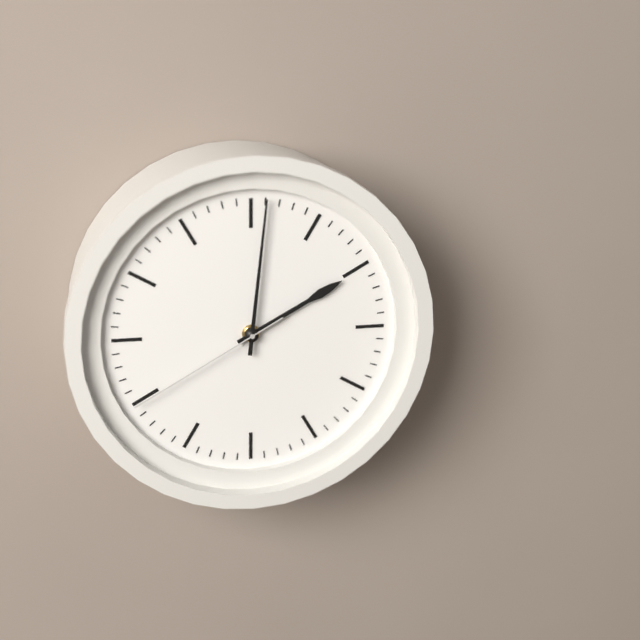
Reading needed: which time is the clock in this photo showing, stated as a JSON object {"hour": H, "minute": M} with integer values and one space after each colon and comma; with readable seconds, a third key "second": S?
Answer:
{"hour": 2, "minute": 1, "second": 40}
